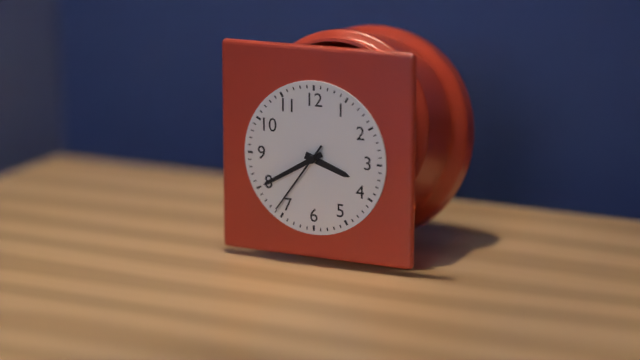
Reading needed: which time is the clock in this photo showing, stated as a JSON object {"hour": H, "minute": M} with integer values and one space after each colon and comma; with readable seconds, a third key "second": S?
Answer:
{"hour": 3, "minute": 40, "second": 36}
